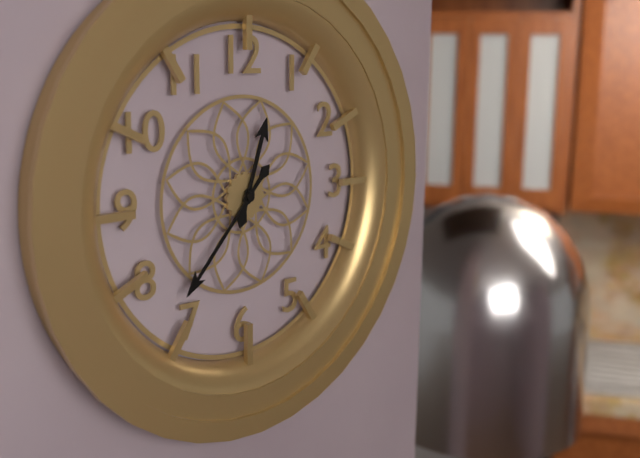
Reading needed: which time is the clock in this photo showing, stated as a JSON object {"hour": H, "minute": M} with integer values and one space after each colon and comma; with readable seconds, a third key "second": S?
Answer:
{"hour": 12, "minute": 37}
